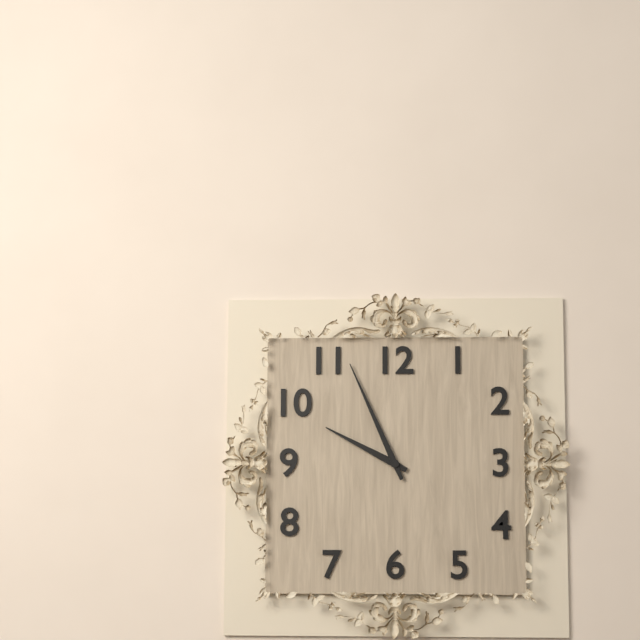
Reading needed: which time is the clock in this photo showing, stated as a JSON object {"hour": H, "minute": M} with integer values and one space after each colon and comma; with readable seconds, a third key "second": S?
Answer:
{"hour": 9, "minute": 56}
